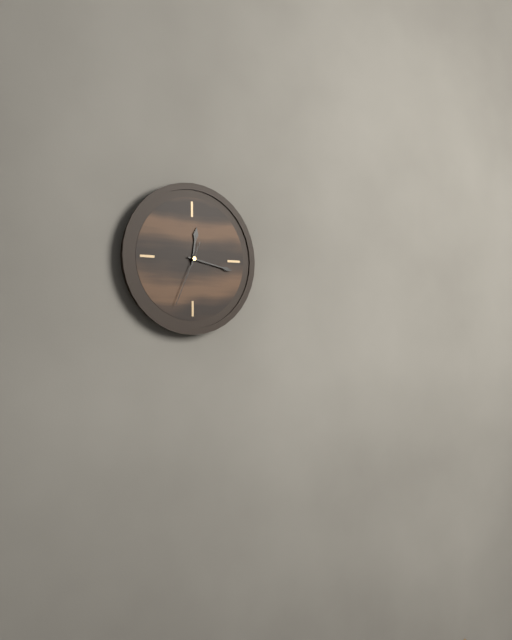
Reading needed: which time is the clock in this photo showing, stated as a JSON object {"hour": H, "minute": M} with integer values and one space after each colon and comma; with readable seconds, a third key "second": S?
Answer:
{"hour": 12, "minute": 17, "second": 34}
